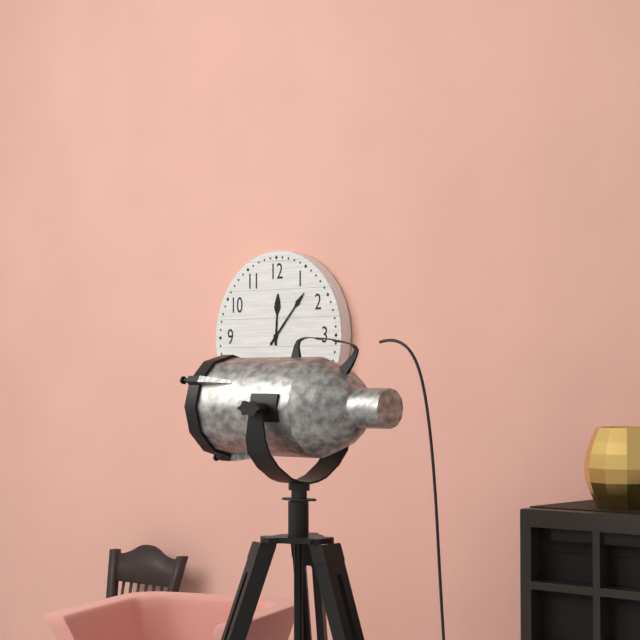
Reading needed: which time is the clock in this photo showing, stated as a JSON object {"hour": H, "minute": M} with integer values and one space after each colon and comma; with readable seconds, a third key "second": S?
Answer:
{"hour": 12, "minute": 7}
